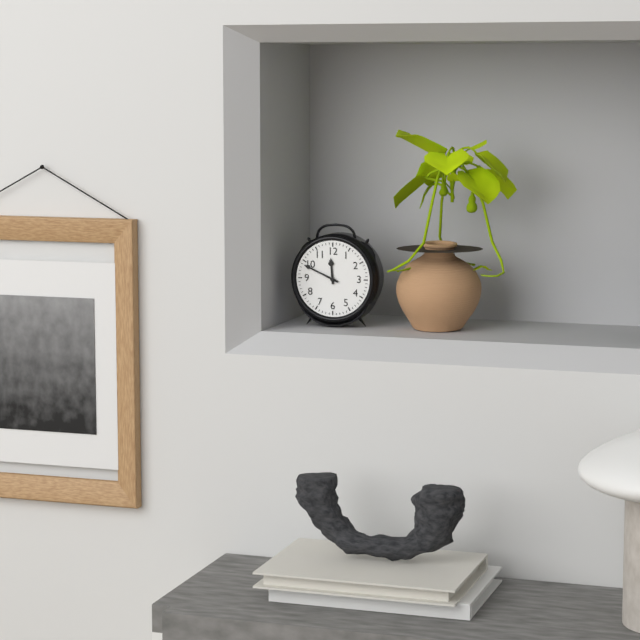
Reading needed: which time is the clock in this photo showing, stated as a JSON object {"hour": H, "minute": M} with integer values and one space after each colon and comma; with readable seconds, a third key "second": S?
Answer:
{"hour": 11, "minute": 49}
